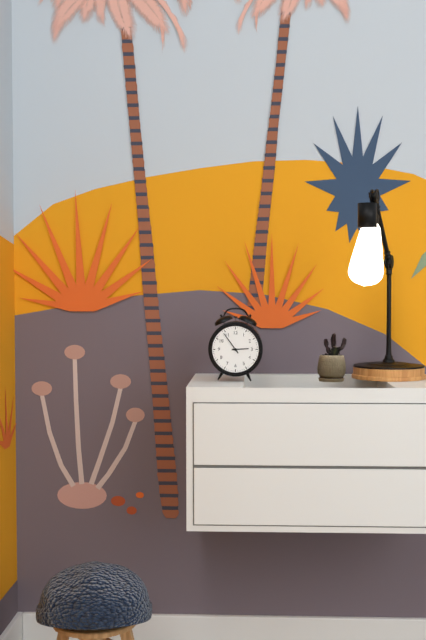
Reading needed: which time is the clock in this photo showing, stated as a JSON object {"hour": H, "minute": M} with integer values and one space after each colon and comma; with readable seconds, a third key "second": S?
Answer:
{"hour": 2, "minute": 54}
